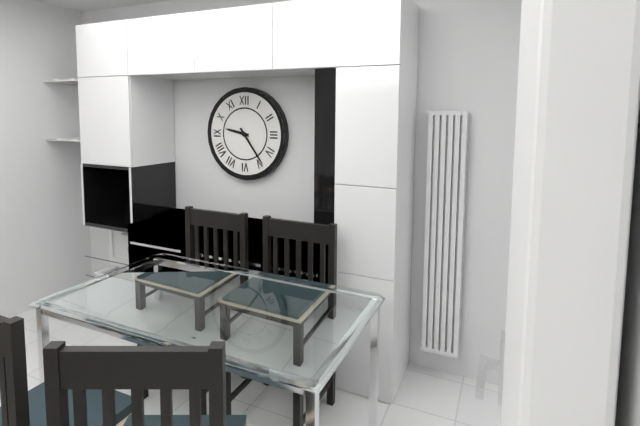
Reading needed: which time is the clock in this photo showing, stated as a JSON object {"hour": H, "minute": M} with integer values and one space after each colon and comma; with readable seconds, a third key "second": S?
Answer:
{"hour": 9, "minute": 24}
